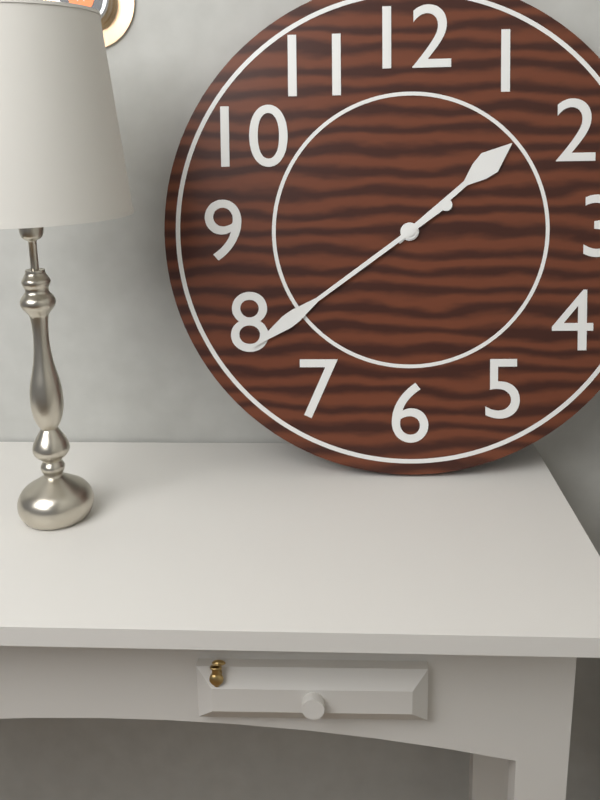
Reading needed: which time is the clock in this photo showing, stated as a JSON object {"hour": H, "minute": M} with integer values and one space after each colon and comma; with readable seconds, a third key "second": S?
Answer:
{"hour": 1, "minute": 39}
